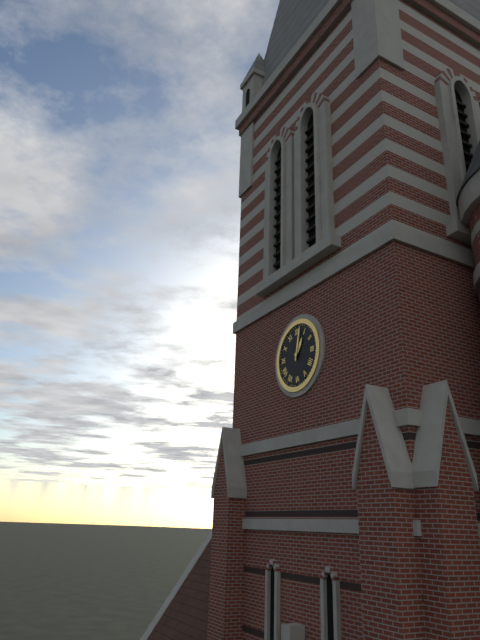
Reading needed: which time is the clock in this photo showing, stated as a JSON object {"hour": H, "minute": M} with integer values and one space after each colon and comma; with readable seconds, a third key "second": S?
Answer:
{"hour": 1, "minute": 2}
